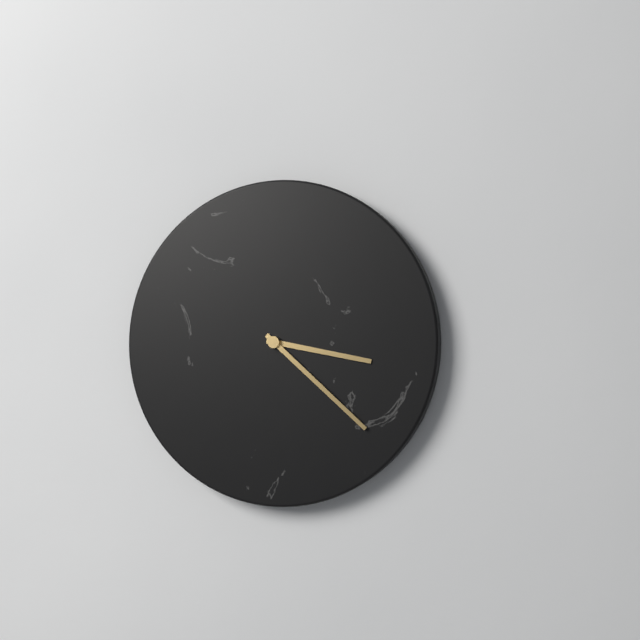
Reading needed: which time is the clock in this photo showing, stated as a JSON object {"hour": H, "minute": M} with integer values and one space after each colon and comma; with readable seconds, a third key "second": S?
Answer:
{"hour": 3, "minute": 22}
